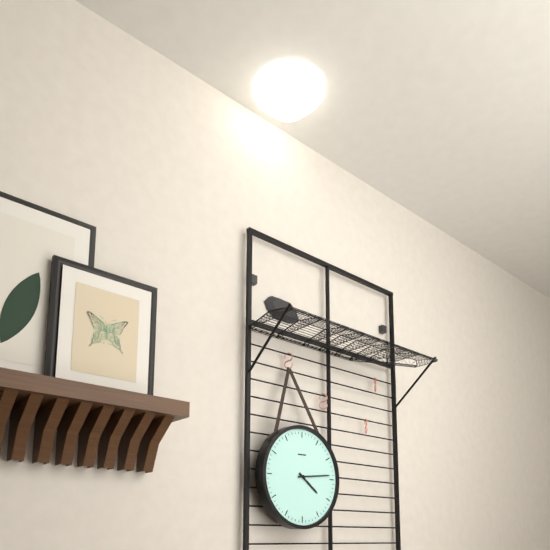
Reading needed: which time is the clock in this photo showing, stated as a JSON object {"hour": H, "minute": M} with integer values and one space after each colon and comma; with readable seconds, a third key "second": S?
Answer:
{"hour": 4, "minute": 14}
